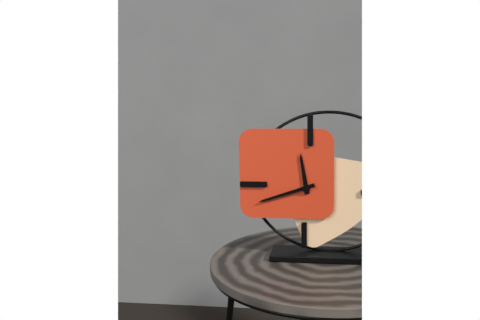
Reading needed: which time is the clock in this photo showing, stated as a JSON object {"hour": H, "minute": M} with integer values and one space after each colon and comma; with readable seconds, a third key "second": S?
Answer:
{"hour": 11, "minute": 42}
